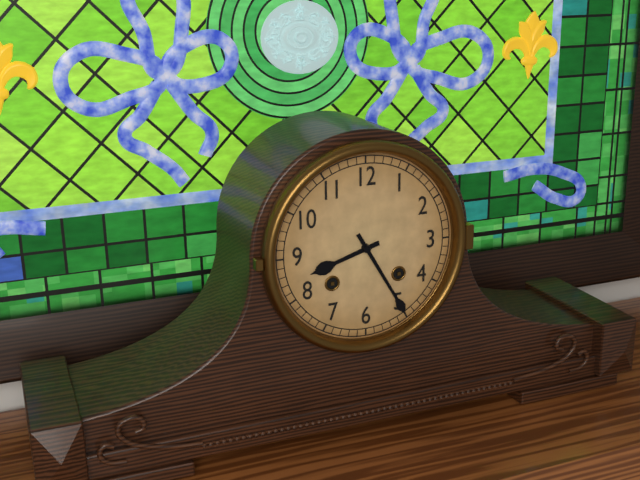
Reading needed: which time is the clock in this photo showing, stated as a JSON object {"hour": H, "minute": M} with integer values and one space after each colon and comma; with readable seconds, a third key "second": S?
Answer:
{"hour": 8, "minute": 25}
